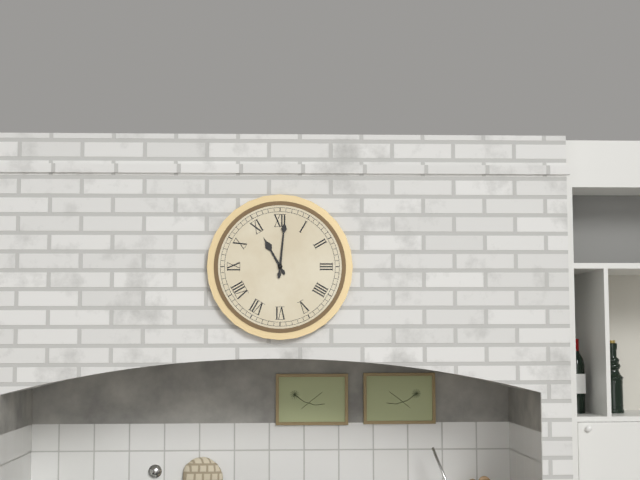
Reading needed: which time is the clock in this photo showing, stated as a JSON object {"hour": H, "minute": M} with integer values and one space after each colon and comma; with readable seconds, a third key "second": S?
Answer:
{"hour": 11, "minute": 1}
